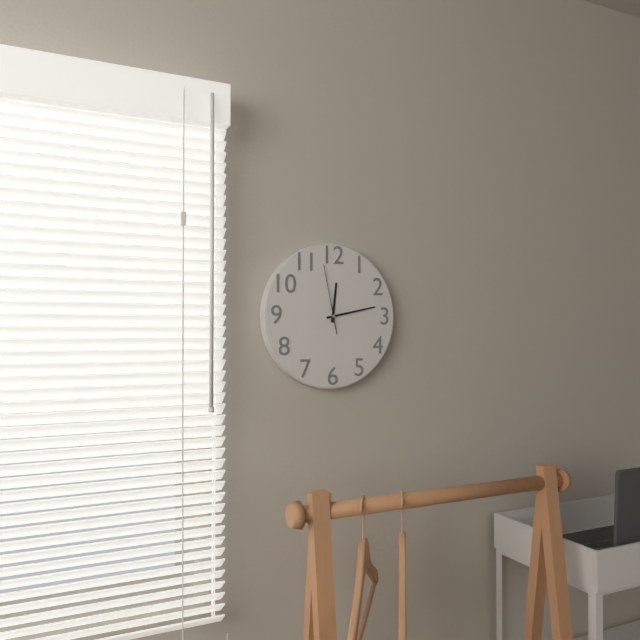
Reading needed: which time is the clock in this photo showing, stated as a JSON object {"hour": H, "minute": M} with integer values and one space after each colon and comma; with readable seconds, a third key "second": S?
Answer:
{"hour": 12, "minute": 13, "second": 58}
